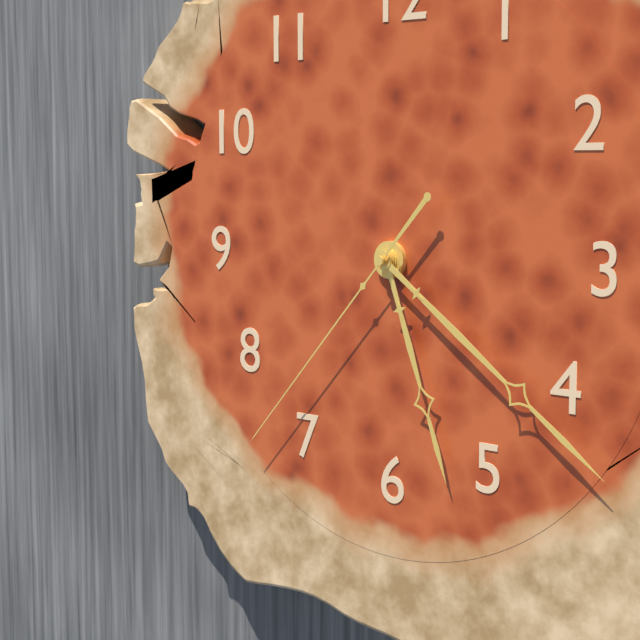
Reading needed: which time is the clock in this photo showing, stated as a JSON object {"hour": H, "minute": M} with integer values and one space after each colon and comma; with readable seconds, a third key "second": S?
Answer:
{"hour": 5, "minute": 21, "second": 37}
